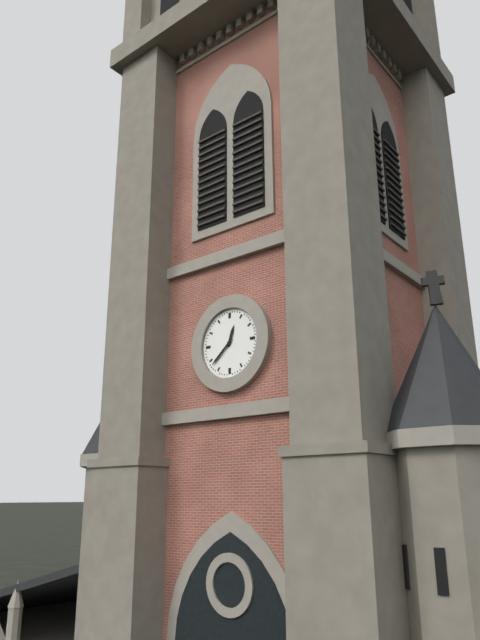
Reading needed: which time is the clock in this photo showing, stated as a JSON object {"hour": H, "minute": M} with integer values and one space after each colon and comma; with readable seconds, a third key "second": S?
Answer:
{"hour": 12, "minute": 38}
